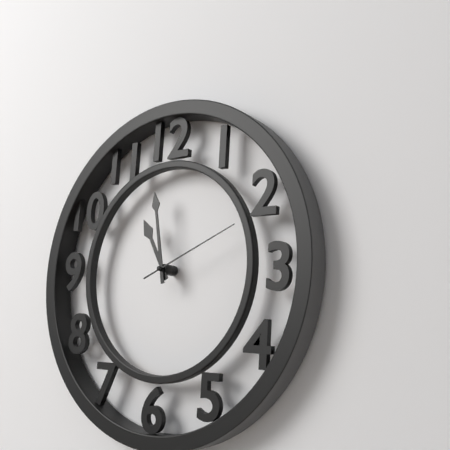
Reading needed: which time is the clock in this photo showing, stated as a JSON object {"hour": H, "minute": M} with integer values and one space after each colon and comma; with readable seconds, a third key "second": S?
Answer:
{"hour": 10, "minute": 58, "second": 11}
